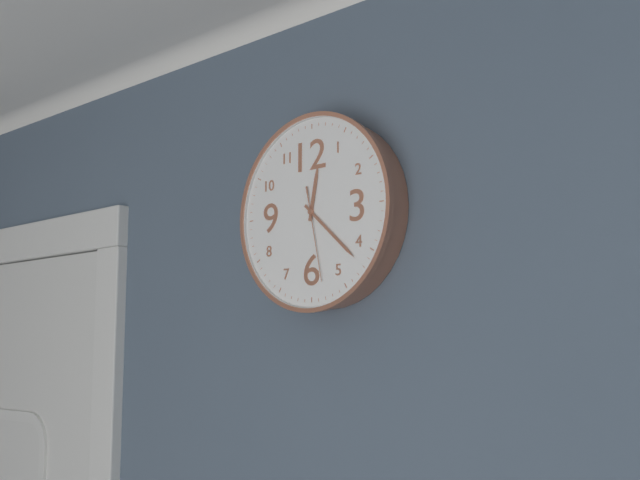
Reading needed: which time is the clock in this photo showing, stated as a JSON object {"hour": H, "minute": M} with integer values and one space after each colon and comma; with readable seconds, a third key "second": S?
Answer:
{"hour": 12, "minute": 22, "second": 28}
